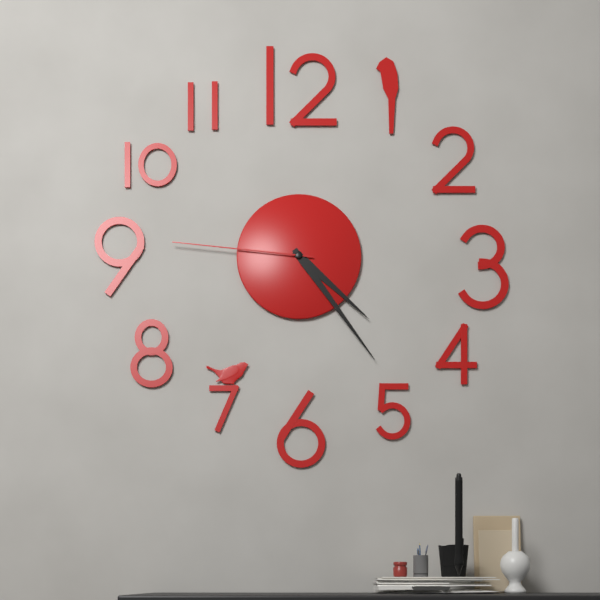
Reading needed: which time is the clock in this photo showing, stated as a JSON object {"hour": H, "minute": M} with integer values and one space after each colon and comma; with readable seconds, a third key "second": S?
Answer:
{"hour": 4, "minute": 24, "second": 46}
